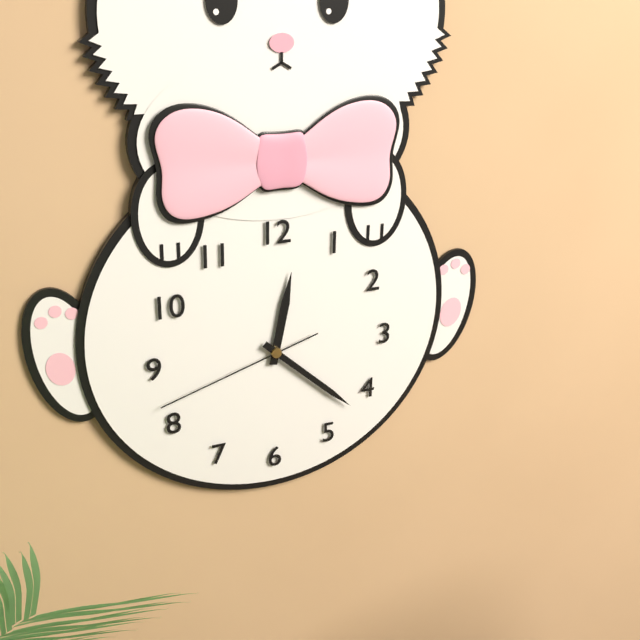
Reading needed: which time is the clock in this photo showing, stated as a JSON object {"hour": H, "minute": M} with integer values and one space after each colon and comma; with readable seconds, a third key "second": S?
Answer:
{"hour": 12, "minute": 22, "second": 42}
